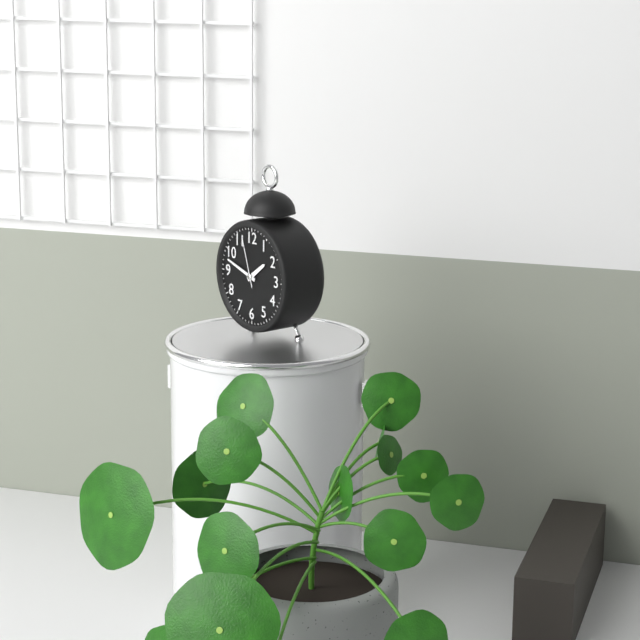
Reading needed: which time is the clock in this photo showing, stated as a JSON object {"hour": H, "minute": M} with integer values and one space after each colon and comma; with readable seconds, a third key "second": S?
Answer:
{"hour": 1, "minute": 48, "second": 57}
